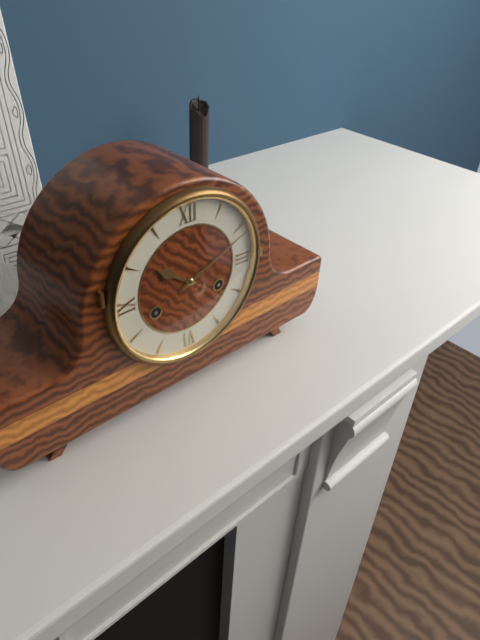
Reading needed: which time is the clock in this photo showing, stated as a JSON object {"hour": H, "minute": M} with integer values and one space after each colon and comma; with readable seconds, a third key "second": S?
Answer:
{"hour": 10, "minute": 11}
